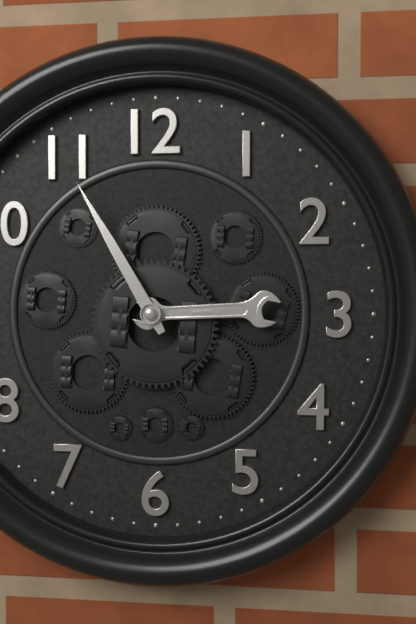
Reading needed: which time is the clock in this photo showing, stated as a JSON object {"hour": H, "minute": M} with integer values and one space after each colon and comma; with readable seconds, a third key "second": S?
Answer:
{"hour": 2, "minute": 55}
